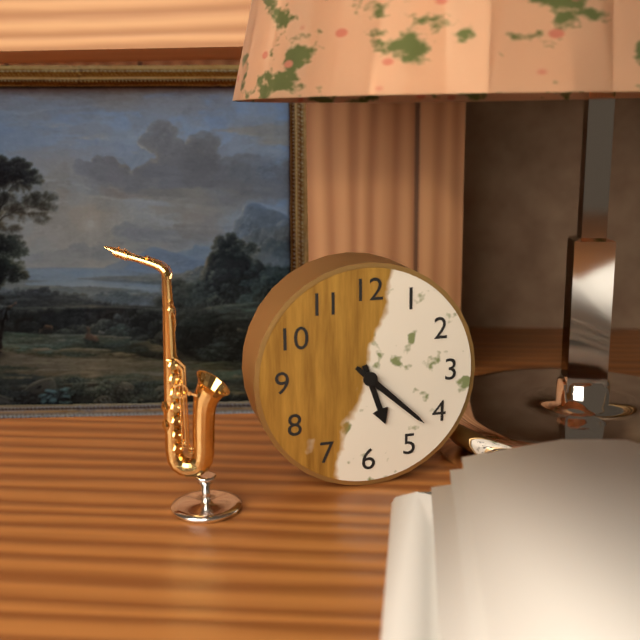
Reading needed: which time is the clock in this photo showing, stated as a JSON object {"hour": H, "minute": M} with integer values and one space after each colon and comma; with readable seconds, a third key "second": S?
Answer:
{"hour": 5, "minute": 22}
